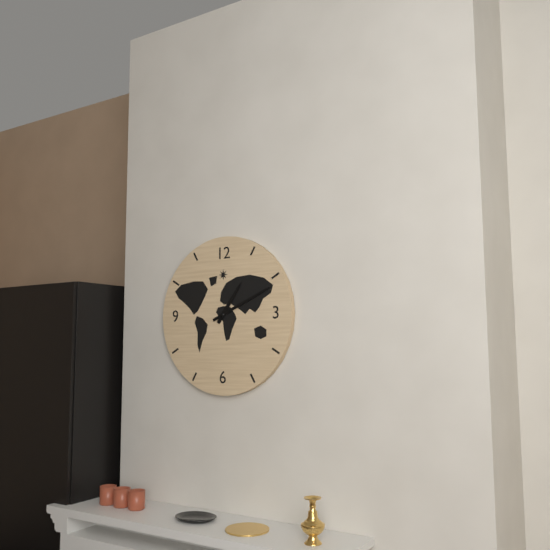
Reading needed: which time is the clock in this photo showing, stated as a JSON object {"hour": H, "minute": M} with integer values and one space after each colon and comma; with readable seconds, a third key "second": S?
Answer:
{"hour": 1, "minute": 11}
